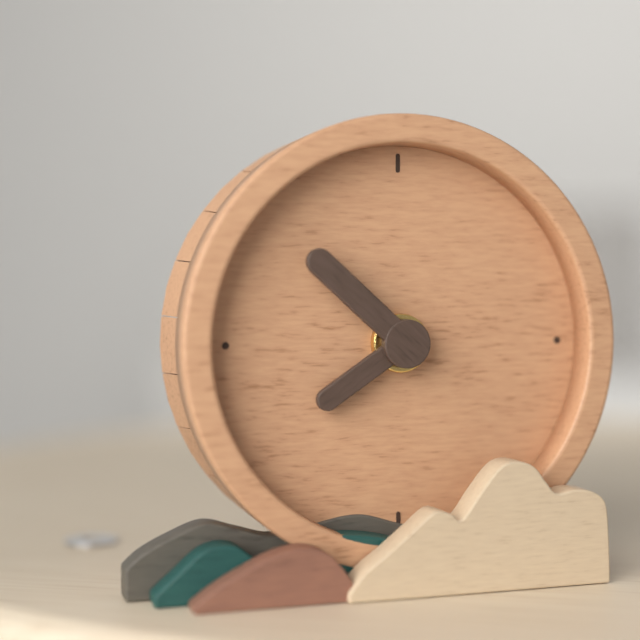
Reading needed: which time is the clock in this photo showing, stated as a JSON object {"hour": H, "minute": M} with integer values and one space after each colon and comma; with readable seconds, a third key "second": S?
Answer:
{"hour": 7, "minute": 52}
